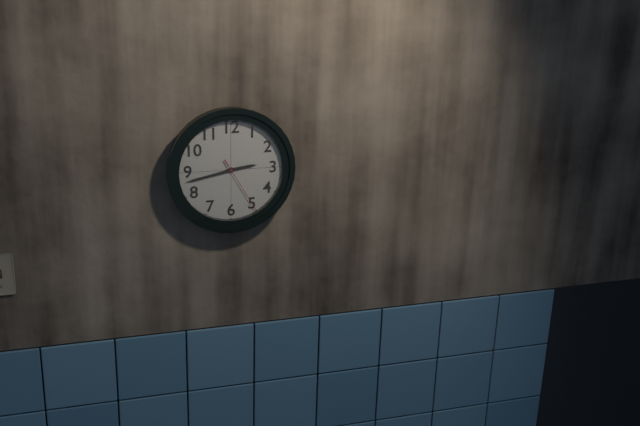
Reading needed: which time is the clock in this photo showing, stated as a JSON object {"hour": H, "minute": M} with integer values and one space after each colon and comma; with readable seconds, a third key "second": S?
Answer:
{"hour": 2, "minute": 43, "second": 25}
